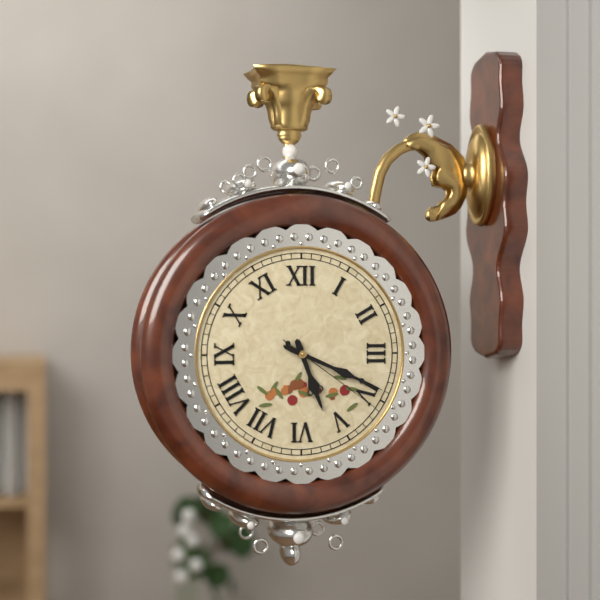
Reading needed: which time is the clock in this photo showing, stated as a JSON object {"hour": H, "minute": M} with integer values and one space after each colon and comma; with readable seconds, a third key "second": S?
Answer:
{"hour": 5, "minute": 19, "second": 21}
